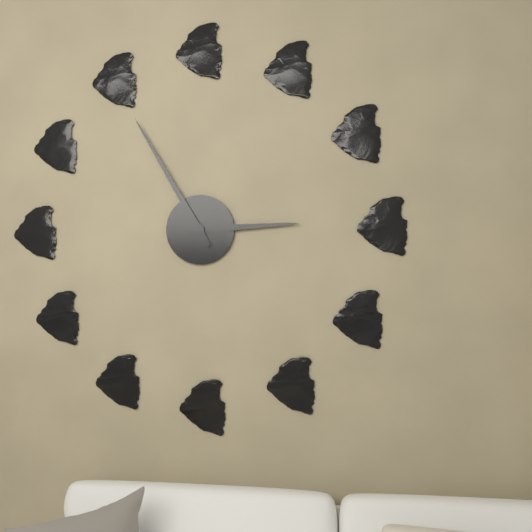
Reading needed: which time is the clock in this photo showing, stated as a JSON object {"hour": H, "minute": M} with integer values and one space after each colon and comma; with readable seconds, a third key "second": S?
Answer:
{"hour": 2, "minute": 55}
